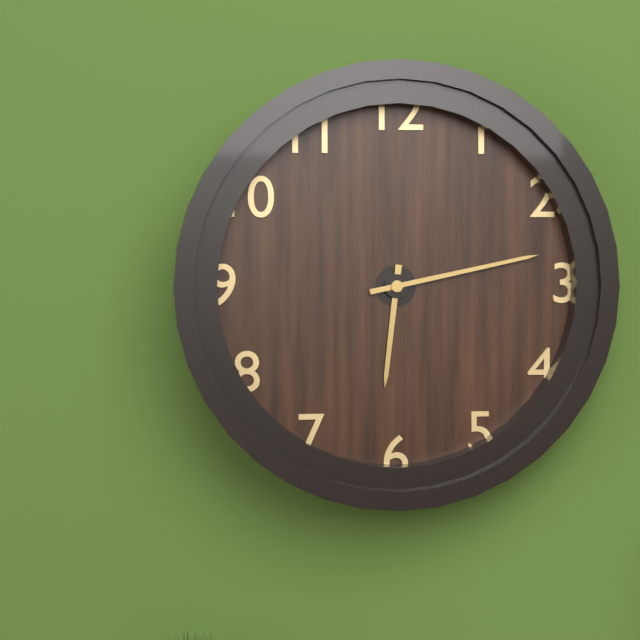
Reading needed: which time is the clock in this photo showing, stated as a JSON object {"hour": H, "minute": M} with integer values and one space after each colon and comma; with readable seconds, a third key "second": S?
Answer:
{"hour": 6, "minute": 13}
